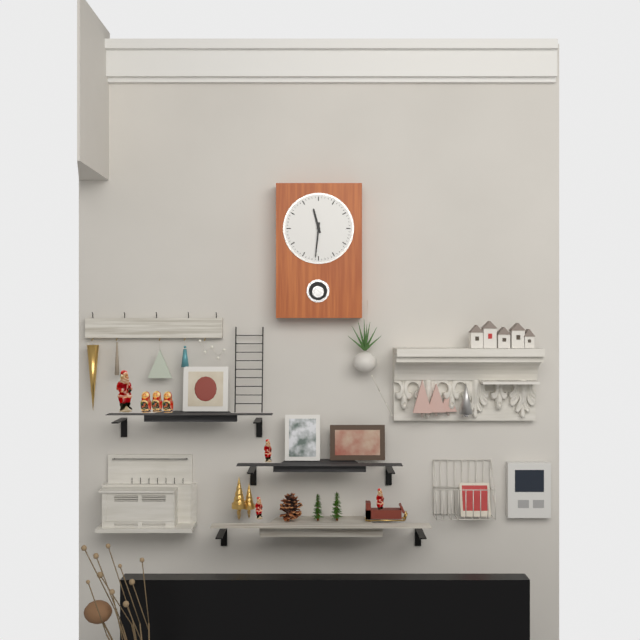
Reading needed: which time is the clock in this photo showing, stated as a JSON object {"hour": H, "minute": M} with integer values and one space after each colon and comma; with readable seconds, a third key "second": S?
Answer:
{"hour": 11, "minute": 31}
